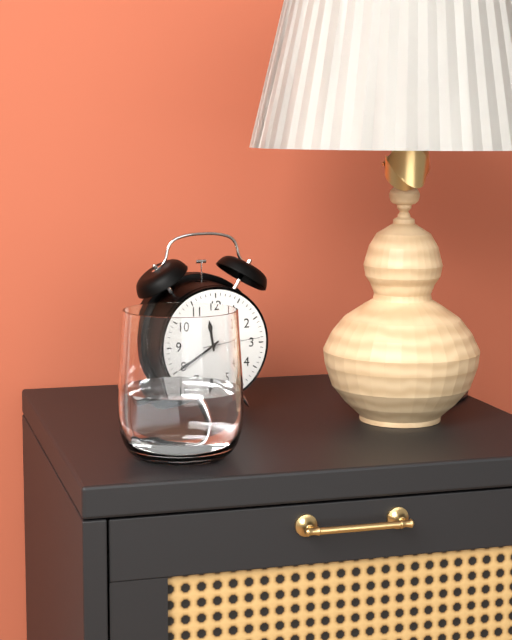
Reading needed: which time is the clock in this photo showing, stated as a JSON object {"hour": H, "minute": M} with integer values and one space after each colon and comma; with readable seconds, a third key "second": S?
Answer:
{"hour": 11, "minute": 40, "second": 14}
